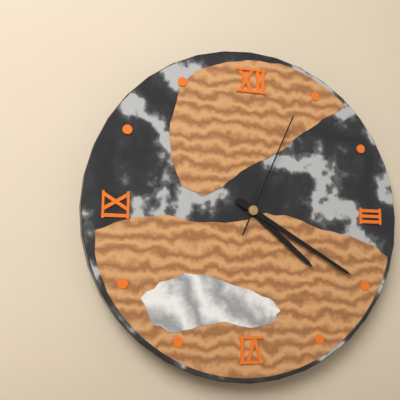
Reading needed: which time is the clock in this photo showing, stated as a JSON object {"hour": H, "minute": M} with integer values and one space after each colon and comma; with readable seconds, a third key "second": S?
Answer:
{"hour": 4, "minute": 20, "second": 4}
